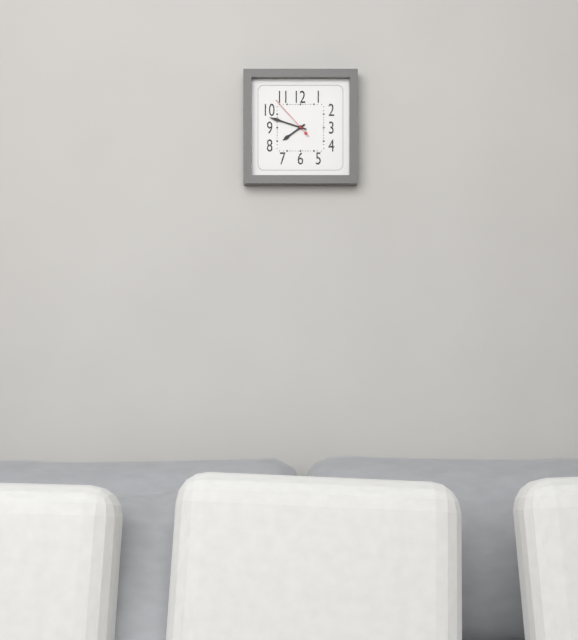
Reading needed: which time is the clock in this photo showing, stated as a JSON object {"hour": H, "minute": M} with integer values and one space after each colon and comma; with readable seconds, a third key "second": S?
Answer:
{"hour": 7, "minute": 48}
